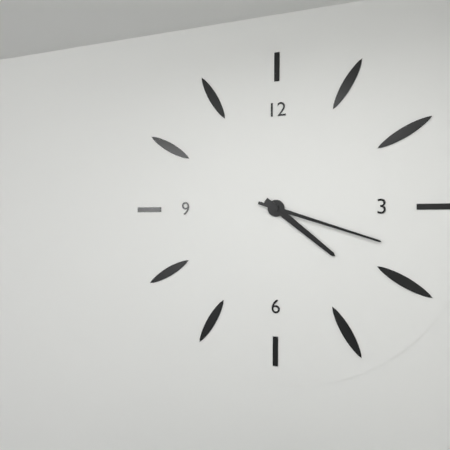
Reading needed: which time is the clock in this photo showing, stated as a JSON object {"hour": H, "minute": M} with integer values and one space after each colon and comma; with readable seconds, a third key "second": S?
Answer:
{"hour": 4, "minute": 18}
